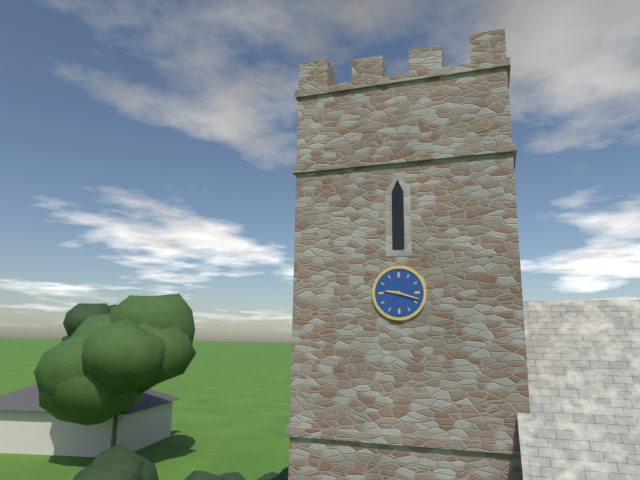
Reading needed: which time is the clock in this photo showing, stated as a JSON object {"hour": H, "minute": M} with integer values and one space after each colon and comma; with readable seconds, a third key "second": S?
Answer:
{"hour": 9, "minute": 18}
